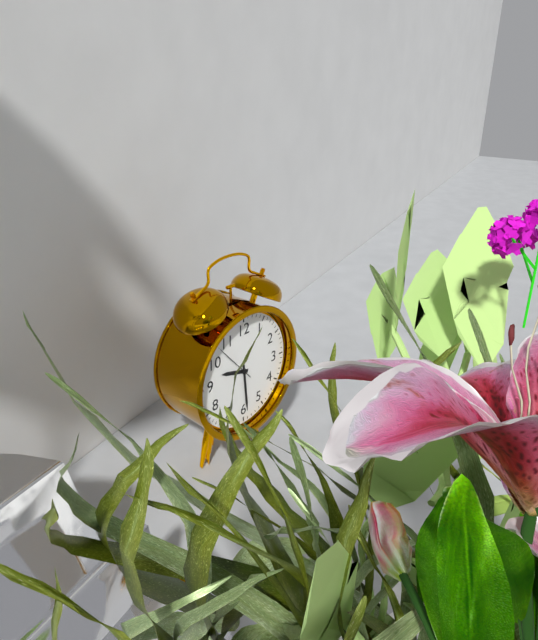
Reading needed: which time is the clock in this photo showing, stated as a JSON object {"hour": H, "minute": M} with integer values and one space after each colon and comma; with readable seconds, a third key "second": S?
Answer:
{"hour": 9, "minute": 29}
